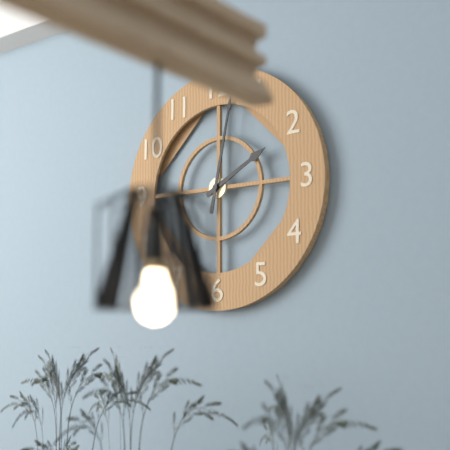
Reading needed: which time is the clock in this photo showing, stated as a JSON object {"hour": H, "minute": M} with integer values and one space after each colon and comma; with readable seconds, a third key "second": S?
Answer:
{"hour": 2, "minute": 2}
